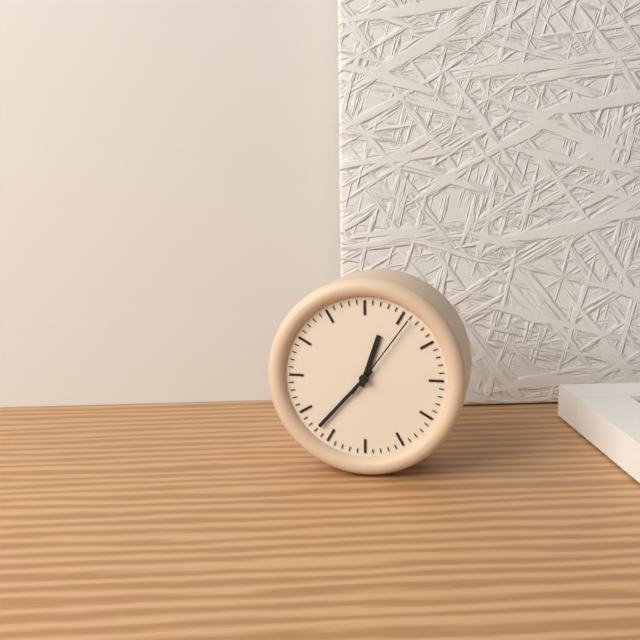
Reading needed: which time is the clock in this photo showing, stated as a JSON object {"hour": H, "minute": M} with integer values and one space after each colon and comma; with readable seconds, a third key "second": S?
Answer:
{"hour": 12, "minute": 37, "second": 6}
